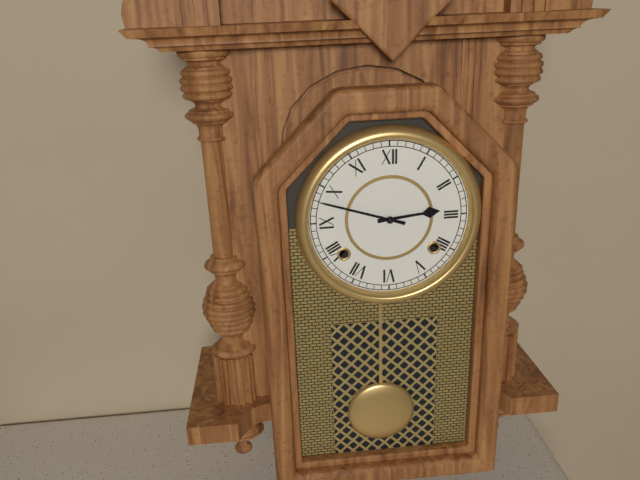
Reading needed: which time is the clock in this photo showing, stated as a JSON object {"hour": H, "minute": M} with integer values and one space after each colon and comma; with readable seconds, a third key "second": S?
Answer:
{"hour": 2, "minute": 48}
